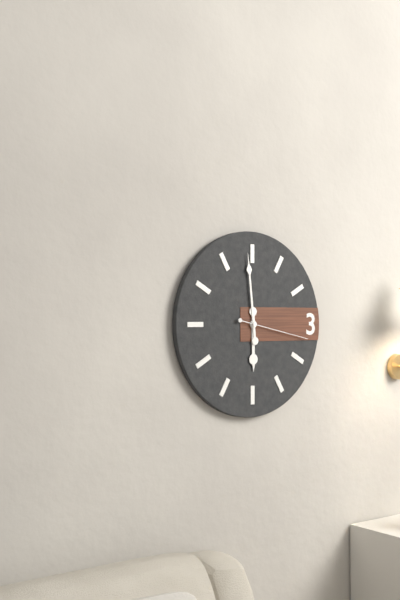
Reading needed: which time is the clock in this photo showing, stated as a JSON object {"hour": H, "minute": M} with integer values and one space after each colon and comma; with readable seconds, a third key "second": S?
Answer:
{"hour": 5, "minute": 59, "second": 17}
